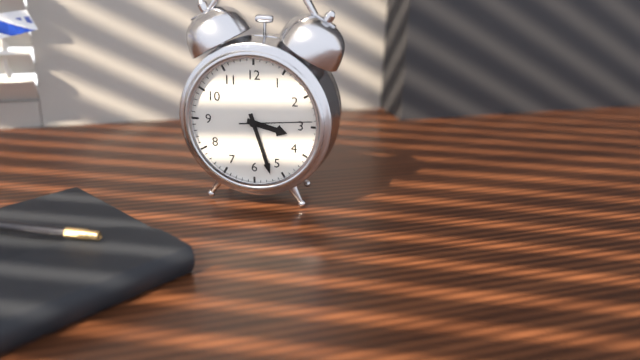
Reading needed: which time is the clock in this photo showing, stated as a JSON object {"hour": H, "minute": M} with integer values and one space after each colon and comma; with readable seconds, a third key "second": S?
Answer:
{"hour": 3, "minute": 27, "second": 14}
